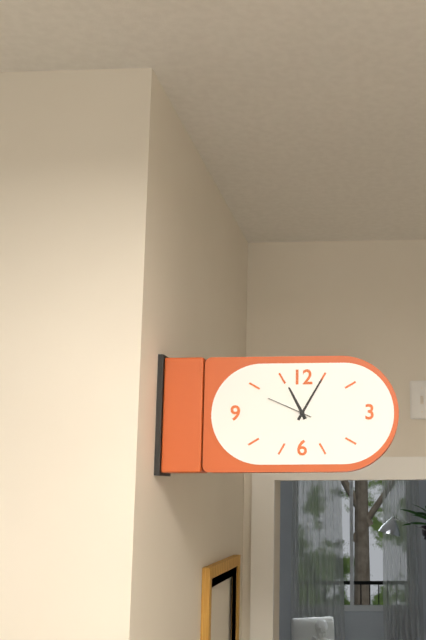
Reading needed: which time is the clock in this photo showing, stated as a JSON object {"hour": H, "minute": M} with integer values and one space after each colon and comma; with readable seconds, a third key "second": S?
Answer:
{"hour": 11, "minute": 5}
